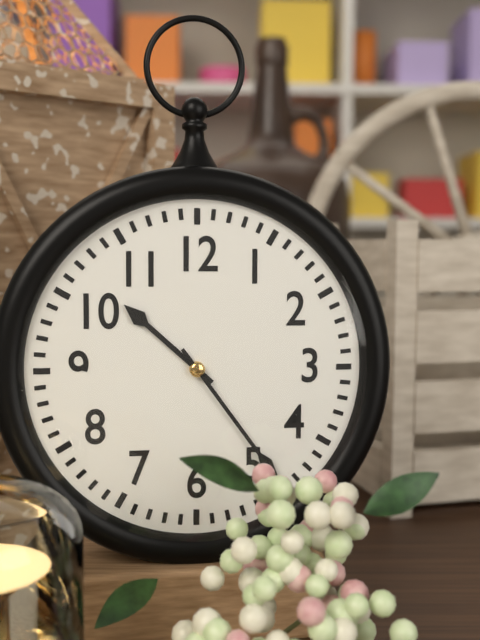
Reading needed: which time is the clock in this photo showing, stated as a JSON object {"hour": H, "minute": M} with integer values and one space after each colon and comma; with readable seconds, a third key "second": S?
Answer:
{"hour": 10, "minute": 24}
